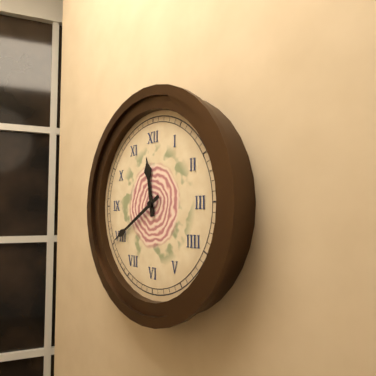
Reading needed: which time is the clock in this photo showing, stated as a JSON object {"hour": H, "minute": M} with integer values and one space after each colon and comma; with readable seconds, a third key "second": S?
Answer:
{"hour": 11, "minute": 40}
